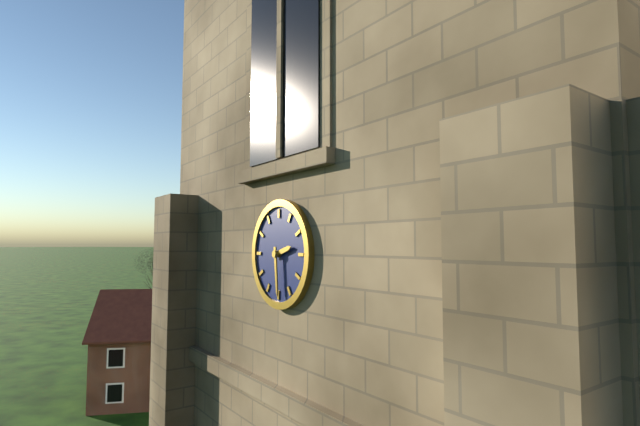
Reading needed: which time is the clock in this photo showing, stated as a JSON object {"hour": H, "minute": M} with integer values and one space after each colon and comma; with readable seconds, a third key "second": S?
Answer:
{"hour": 2, "minute": 29}
